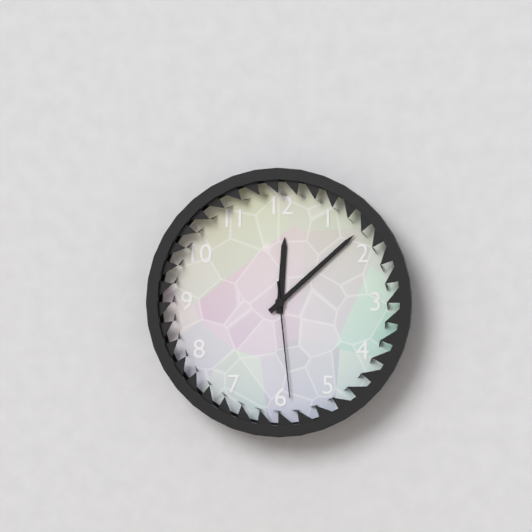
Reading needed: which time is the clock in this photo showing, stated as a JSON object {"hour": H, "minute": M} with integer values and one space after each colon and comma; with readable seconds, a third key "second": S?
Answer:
{"hour": 12, "minute": 8, "second": 29}
